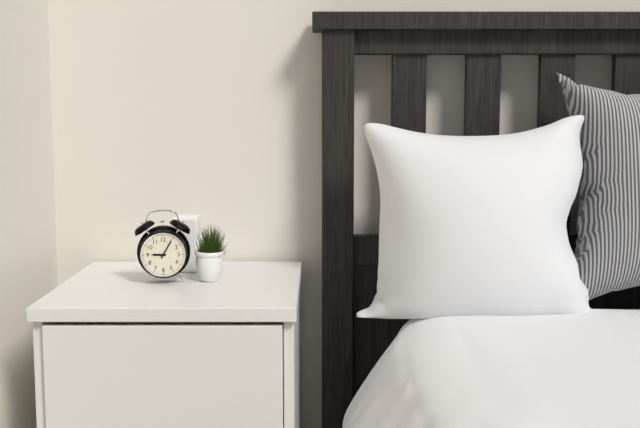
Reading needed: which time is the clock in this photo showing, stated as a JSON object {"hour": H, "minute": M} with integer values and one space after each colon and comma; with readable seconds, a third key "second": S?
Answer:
{"hour": 9, "minute": 5}
